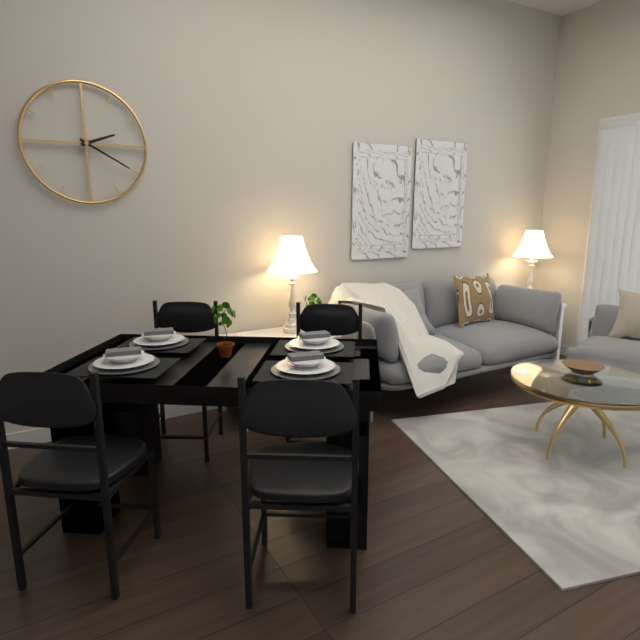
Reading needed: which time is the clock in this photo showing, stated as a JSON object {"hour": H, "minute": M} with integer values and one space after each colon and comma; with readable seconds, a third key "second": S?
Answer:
{"hour": 2, "minute": 20}
